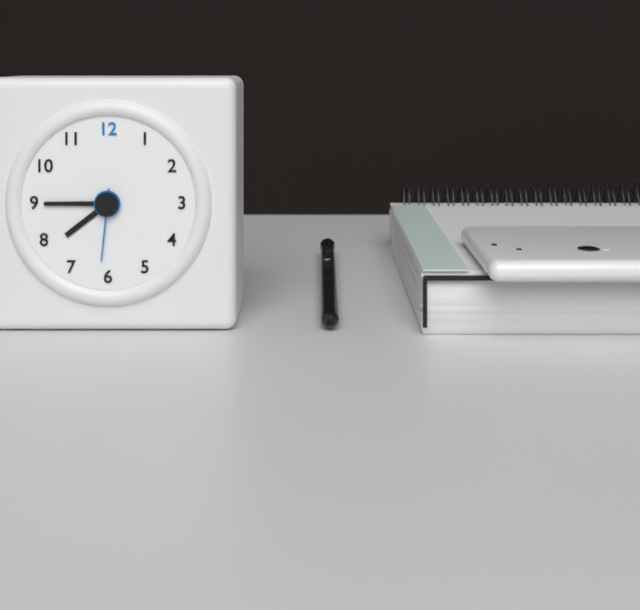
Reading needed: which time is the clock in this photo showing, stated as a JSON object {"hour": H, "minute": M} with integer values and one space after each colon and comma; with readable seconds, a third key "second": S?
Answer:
{"hour": 7, "minute": 45, "second": 31}
